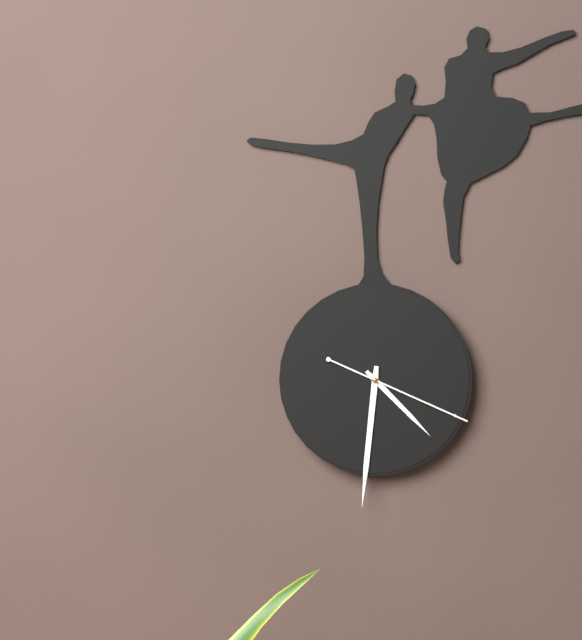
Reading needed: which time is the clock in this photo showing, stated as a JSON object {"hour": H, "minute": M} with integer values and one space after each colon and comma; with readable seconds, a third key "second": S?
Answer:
{"hour": 4, "minute": 31, "second": 19}
